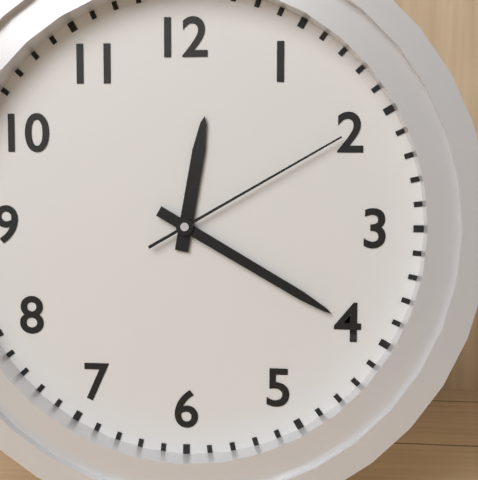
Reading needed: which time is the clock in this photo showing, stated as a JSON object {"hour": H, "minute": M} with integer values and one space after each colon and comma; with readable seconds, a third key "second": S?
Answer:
{"hour": 12, "minute": 20, "second": 10}
